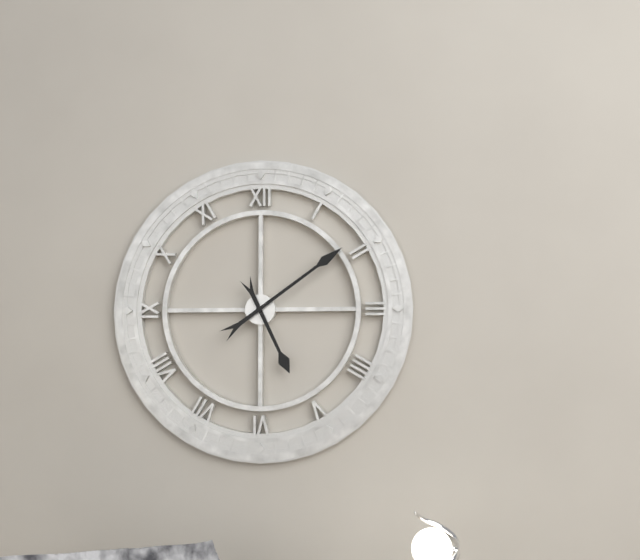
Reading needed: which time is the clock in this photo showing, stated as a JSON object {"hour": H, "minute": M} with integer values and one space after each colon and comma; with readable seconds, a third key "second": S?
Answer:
{"hour": 5, "minute": 9}
